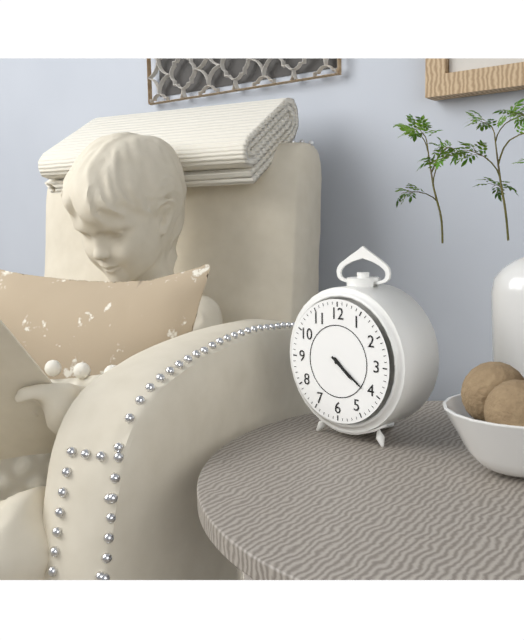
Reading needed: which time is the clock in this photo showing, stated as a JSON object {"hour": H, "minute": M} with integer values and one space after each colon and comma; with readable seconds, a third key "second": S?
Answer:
{"hour": 4, "minute": 21}
